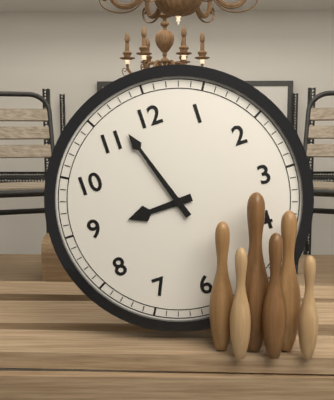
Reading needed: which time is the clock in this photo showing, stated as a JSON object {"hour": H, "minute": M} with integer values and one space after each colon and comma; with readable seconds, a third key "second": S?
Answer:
{"hour": 8, "minute": 57}
